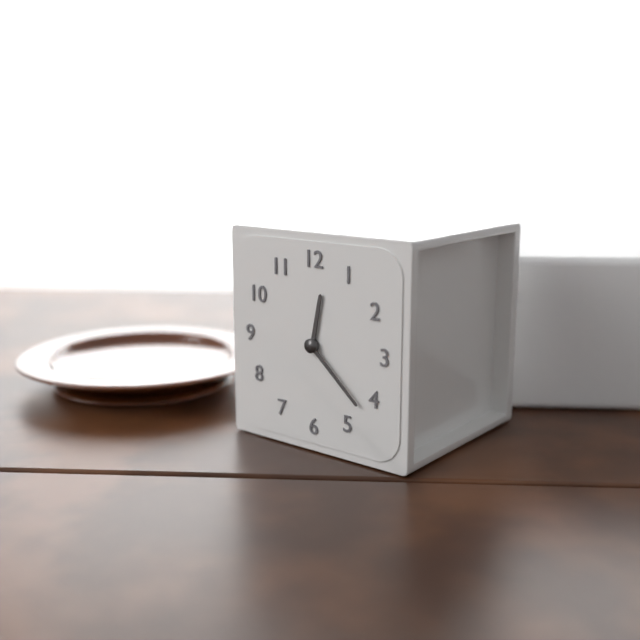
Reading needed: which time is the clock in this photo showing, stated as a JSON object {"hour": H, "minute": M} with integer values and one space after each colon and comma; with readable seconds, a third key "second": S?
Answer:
{"hour": 12, "minute": 22}
